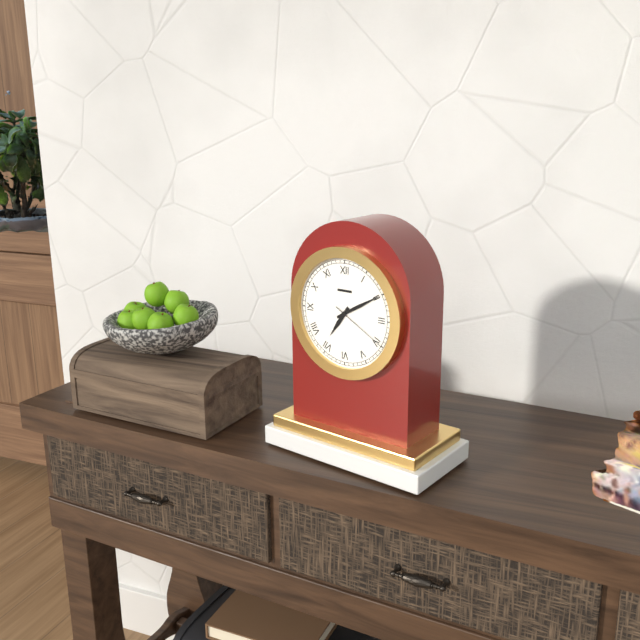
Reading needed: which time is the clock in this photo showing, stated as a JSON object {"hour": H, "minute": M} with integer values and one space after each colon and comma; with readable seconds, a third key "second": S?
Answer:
{"hour": 7, "minute": 10, "second": 20}
